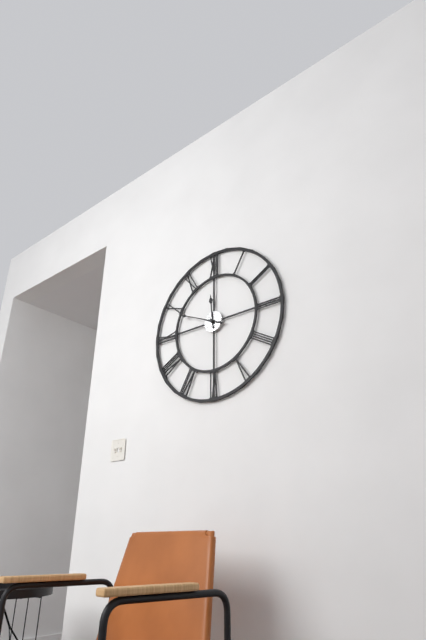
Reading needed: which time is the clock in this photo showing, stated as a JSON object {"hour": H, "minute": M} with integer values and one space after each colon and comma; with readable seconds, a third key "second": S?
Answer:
{"hour": 11, "minute": 49}
